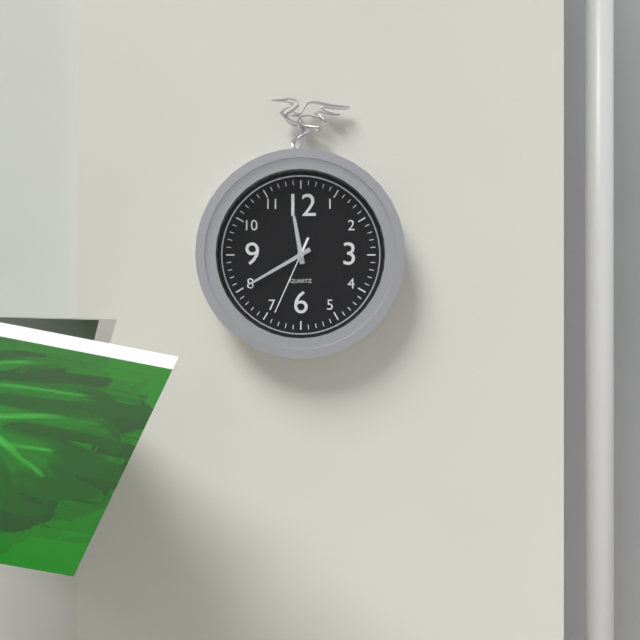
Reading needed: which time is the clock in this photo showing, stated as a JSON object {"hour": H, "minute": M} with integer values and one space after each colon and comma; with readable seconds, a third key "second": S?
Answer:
{"hour": 11, "minute": 40, "second": 34}
